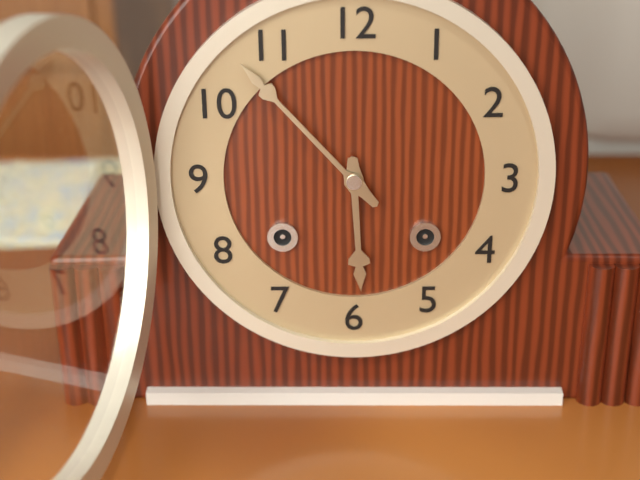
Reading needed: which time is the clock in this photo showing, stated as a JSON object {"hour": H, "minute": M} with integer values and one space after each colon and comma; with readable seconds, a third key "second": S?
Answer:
{"hour": 5, "minute": 53}
